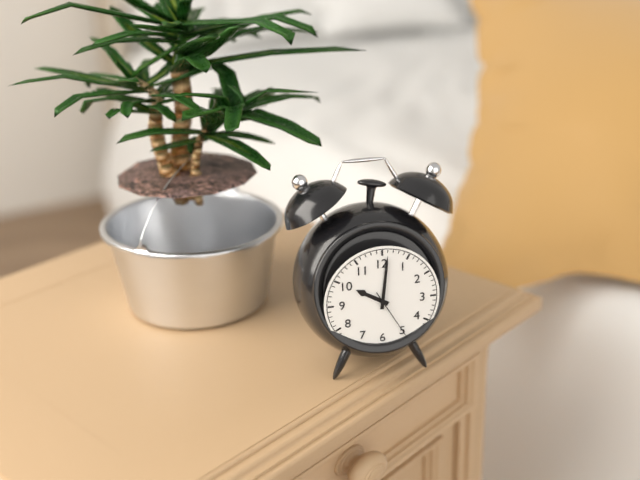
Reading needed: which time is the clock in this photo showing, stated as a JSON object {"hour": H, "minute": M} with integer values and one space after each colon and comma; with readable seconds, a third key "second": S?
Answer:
{"hour": 10, "minute": 1, "second": 25}
